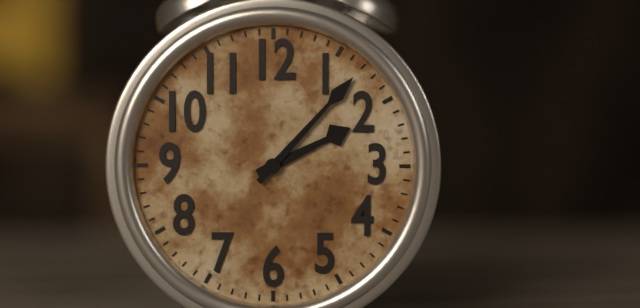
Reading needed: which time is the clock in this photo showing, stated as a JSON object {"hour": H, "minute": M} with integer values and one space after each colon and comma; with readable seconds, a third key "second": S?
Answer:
{"hour": 2, "minute": 7}
